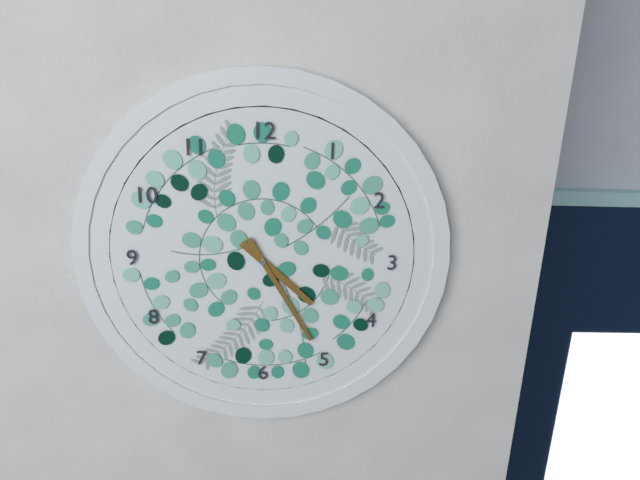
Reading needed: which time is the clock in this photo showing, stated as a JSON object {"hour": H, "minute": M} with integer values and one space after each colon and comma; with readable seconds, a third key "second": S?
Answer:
{"hour": 4, "minute": 25}
